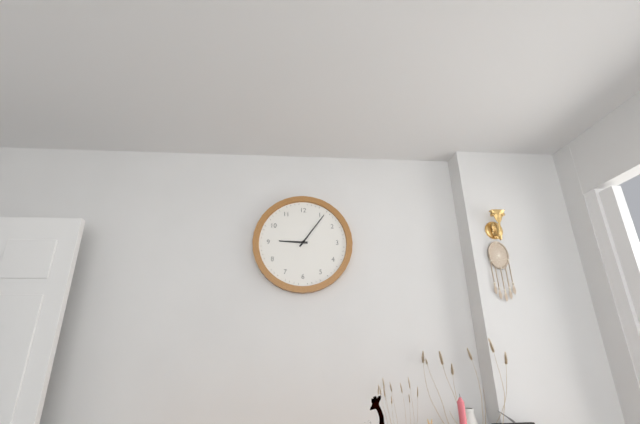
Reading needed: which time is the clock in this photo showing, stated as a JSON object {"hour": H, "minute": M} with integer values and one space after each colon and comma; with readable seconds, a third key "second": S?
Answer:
{"hour": 9, "minute": 6}
